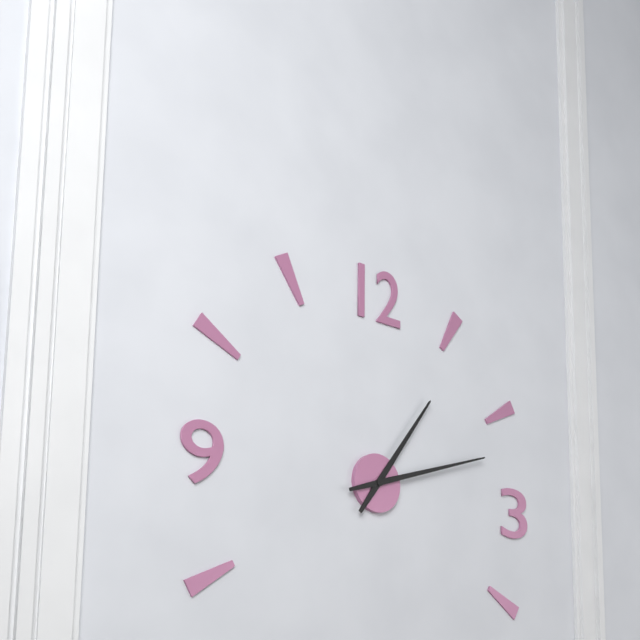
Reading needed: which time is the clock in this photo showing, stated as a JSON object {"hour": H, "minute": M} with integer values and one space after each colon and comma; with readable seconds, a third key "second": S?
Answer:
{"hour": 1, "minute": 12}
